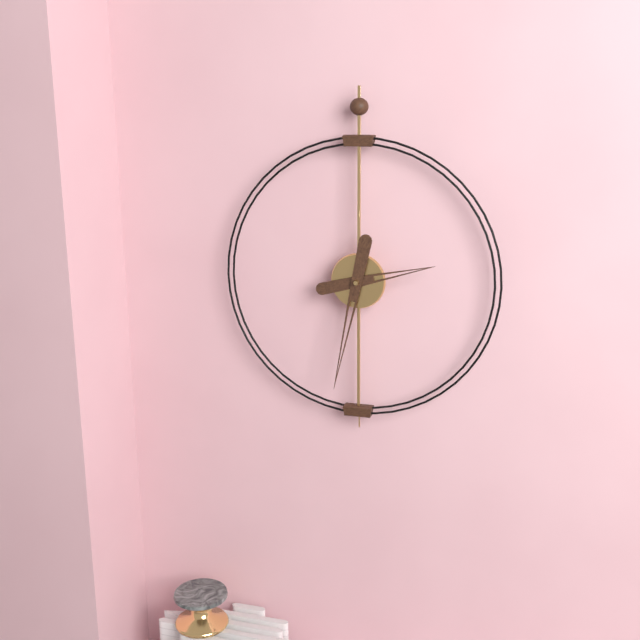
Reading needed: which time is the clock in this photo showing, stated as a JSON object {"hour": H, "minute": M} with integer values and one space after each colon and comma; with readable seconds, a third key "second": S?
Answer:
{"hour": 2, "minute": 32}
